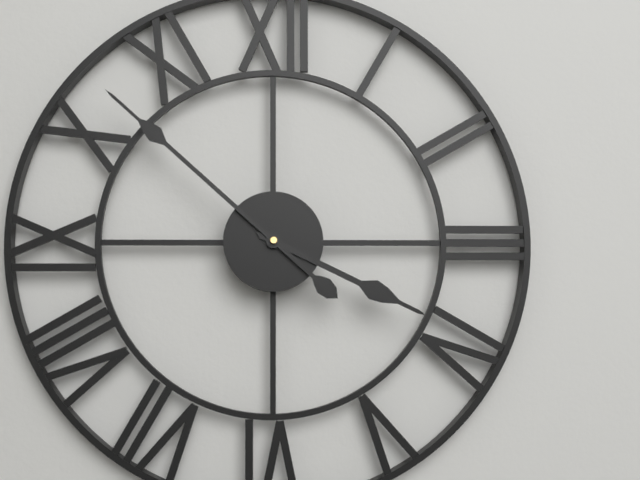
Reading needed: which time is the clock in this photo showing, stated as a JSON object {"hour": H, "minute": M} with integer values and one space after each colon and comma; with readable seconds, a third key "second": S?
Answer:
{"hour": 3, "minute": 52}
